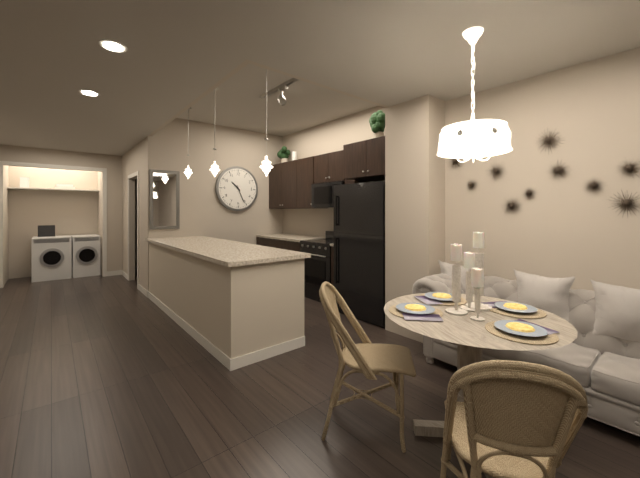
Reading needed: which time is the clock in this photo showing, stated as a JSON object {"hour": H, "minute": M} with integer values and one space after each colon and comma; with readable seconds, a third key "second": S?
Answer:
{"hour": 10, "minute": 26}
